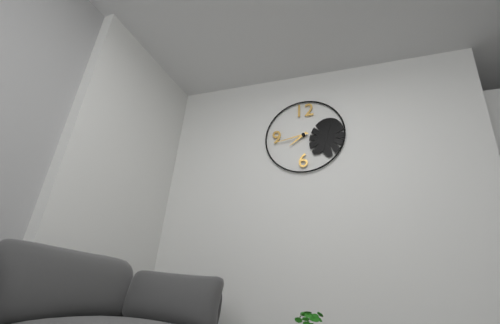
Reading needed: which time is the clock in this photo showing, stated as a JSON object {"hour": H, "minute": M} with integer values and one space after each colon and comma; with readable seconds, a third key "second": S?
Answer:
{"hour": 7, "minute": 43}
